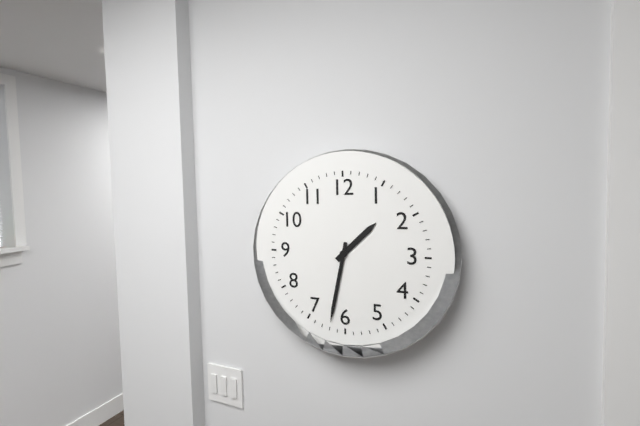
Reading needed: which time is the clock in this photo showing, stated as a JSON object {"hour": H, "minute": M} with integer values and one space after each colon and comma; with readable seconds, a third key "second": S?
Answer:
{"hour": 1, "minute": 32}
